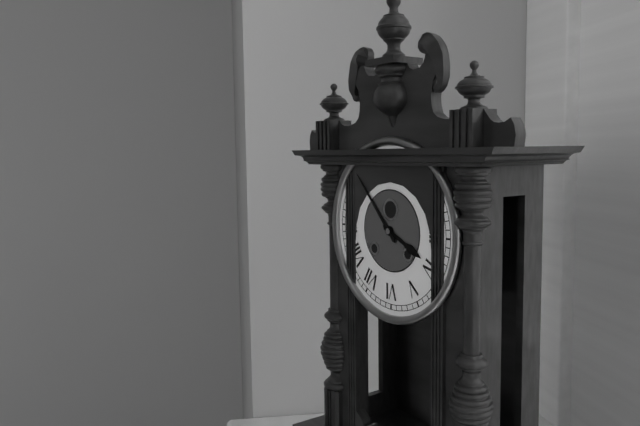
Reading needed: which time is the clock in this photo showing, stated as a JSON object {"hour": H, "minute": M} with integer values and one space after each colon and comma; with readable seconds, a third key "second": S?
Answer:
{"hour": 3, "minute": 53}
